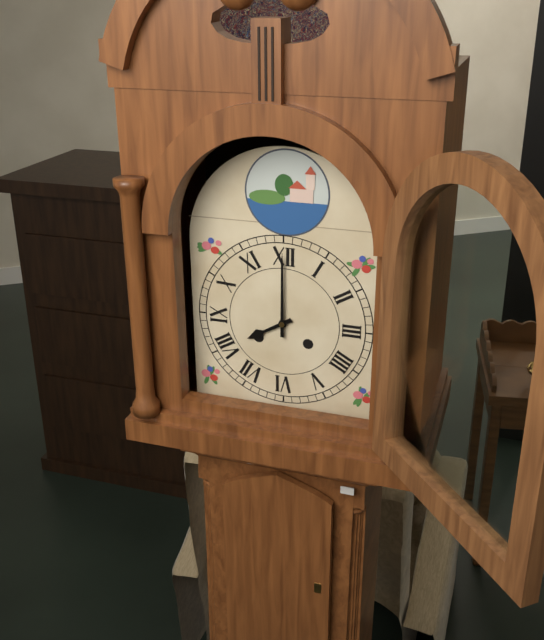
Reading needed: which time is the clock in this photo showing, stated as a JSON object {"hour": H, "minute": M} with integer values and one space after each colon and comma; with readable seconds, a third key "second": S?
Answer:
{"hour": 8, "minute": 0}
